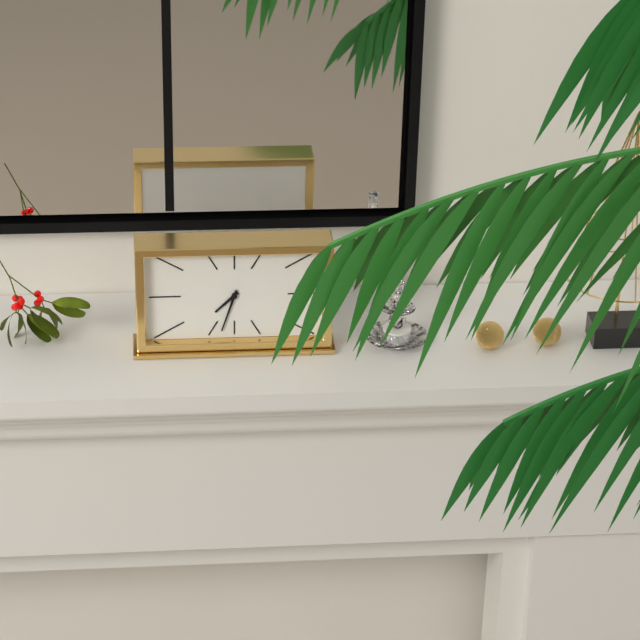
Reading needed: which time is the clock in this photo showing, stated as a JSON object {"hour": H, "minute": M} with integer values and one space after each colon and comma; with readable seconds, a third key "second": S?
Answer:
{"hour": 7, "minute": 33}
